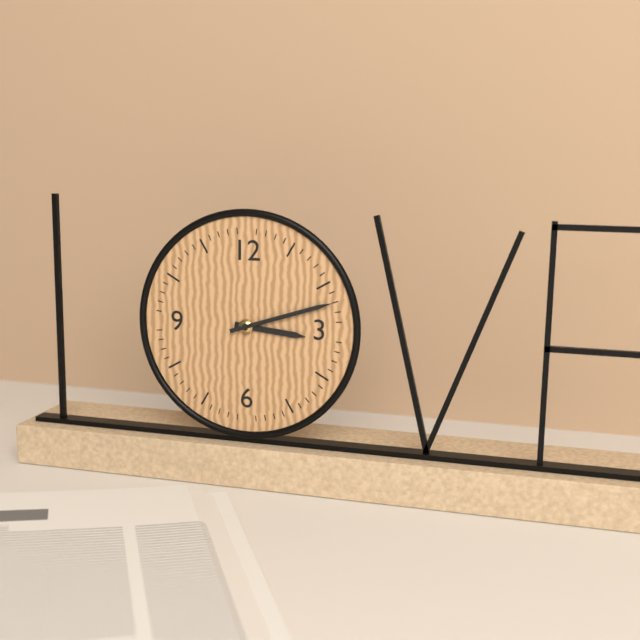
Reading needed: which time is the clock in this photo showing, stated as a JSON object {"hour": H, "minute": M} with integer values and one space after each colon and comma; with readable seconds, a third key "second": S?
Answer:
{"hour": 3, "minute": 12}
